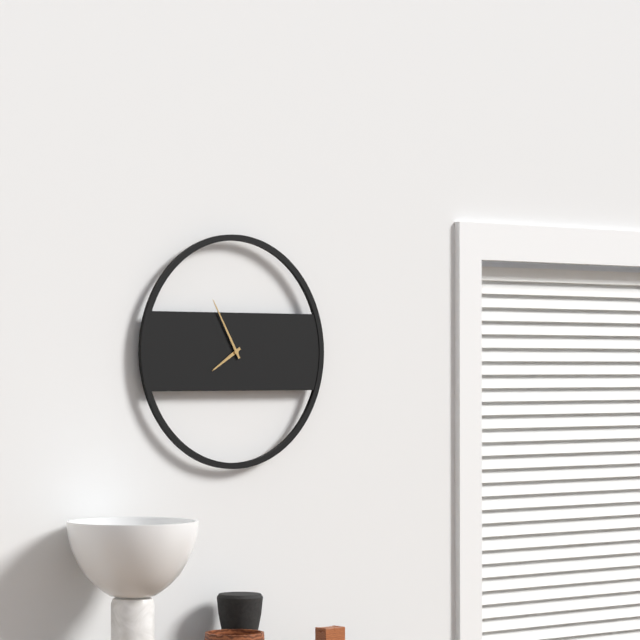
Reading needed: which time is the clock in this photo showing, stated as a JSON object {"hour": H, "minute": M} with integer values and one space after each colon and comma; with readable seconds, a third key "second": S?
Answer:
{"hour": 7, "minute": 55}
